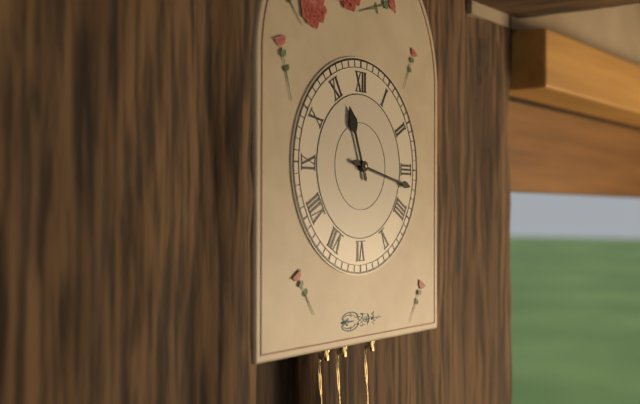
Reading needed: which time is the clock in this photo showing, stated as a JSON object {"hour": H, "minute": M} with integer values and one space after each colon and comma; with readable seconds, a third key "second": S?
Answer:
{"hour": 11, "minute": 17}
